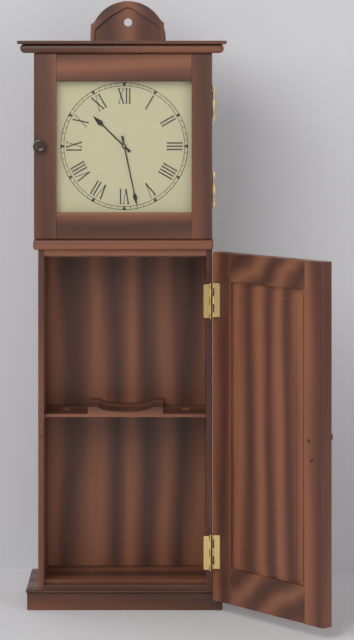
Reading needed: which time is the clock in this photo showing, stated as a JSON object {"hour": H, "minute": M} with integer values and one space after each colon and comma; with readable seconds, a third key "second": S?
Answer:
{"hour": 10, "minute": 28}
